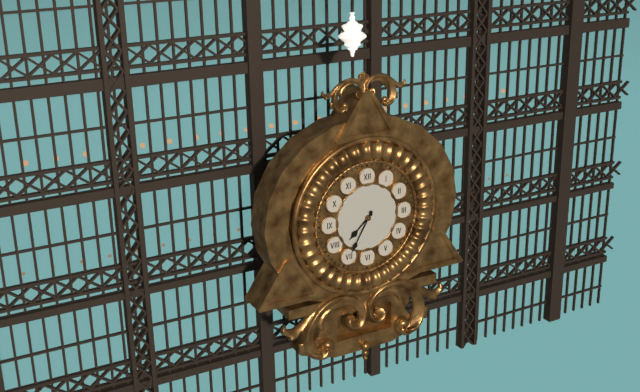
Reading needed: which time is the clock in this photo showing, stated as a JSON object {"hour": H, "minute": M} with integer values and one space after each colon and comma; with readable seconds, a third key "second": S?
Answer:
{"hour": 7, "minute": 35}
